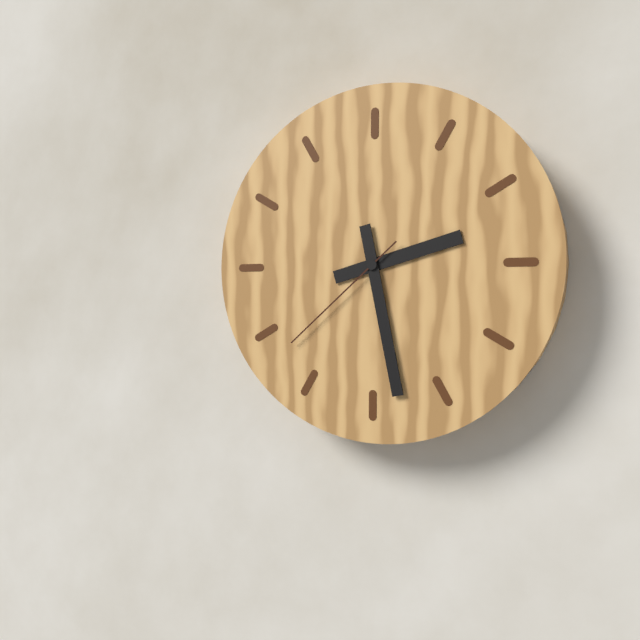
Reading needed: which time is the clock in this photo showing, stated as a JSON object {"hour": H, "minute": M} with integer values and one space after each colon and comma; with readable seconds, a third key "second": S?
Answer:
{"hour": 2, "minute": 28, "second": 38}
